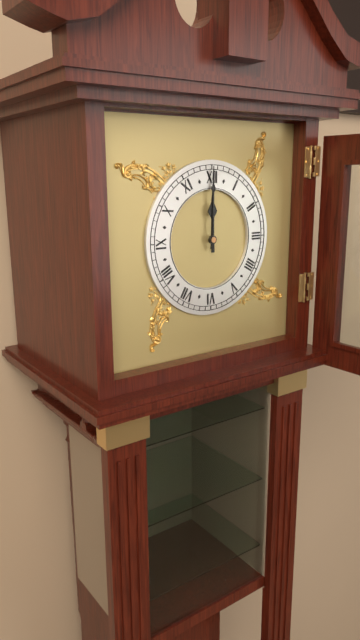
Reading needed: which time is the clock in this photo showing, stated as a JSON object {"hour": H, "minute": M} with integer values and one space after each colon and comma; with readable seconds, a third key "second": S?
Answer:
{"hour": 12, "minute": 0}
